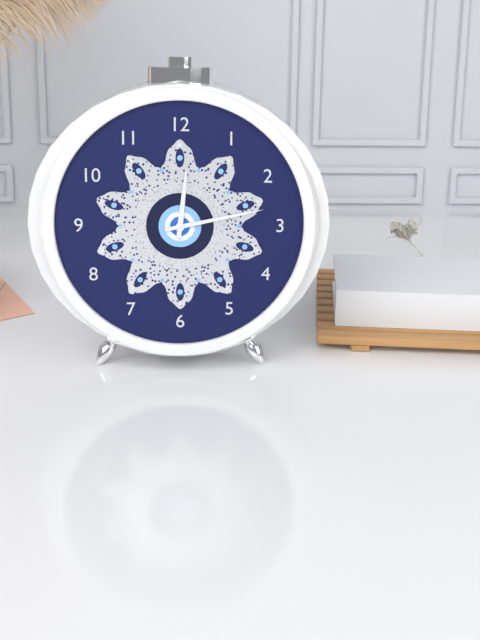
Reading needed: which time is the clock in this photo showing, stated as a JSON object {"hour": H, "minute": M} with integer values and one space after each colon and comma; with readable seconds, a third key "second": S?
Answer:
{"hour": 12, "minute": 13}
